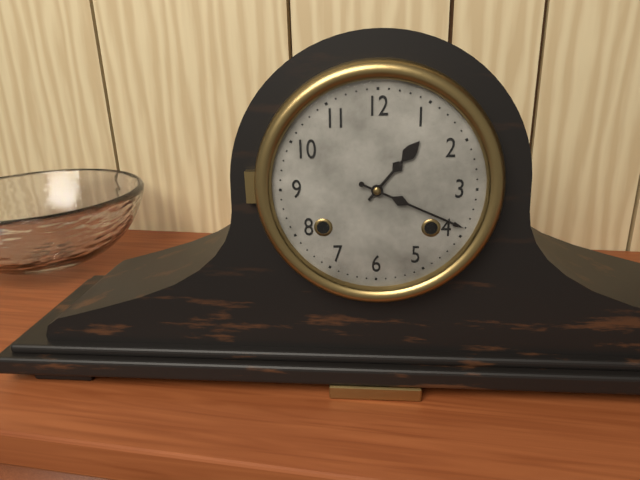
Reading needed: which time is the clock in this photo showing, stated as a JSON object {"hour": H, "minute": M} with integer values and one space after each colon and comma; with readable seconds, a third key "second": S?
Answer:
{"hour": 1, "minute": 19}
